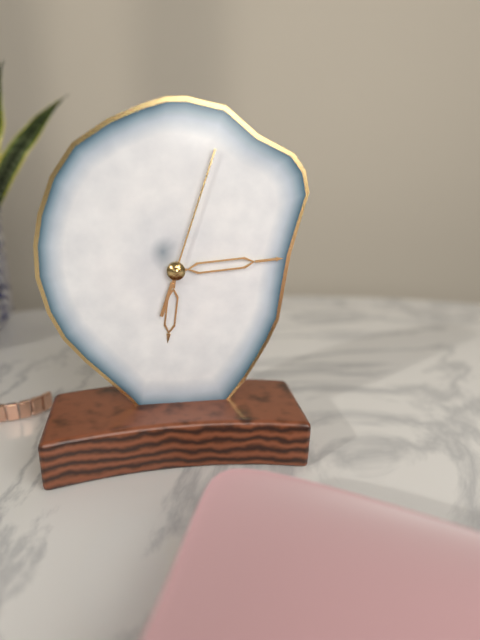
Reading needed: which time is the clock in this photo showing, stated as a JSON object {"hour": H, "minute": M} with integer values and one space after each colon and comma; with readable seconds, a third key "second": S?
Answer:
{"hour": 6, "minute": 14, "second": 3}
